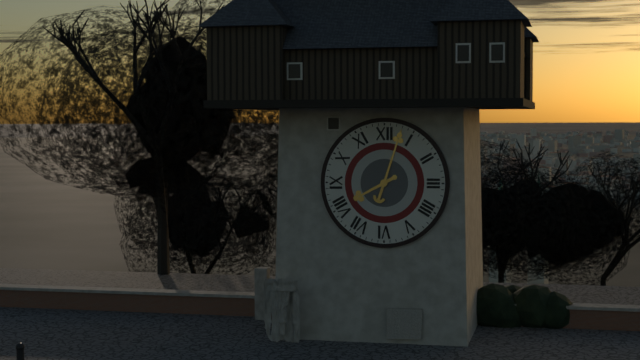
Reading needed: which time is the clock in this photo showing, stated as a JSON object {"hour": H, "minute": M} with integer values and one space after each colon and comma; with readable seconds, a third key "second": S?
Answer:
{"hour": 8, "minute": 3}
